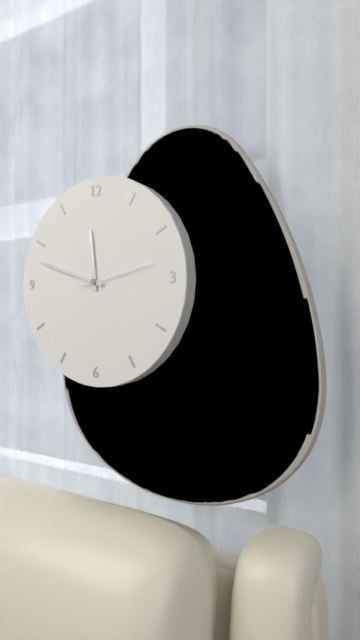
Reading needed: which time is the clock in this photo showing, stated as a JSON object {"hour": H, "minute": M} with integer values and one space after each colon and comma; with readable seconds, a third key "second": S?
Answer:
{"hour": 11, "minute": 48, "second": 13}
